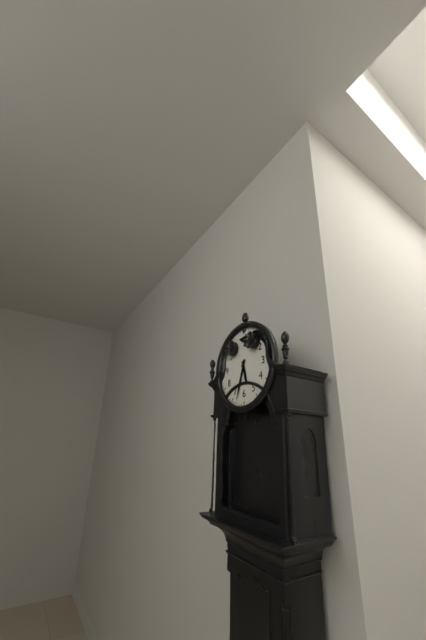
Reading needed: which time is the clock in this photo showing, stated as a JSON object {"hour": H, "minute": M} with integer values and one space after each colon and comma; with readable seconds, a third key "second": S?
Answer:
{"hour": 5, "minute": 33}
